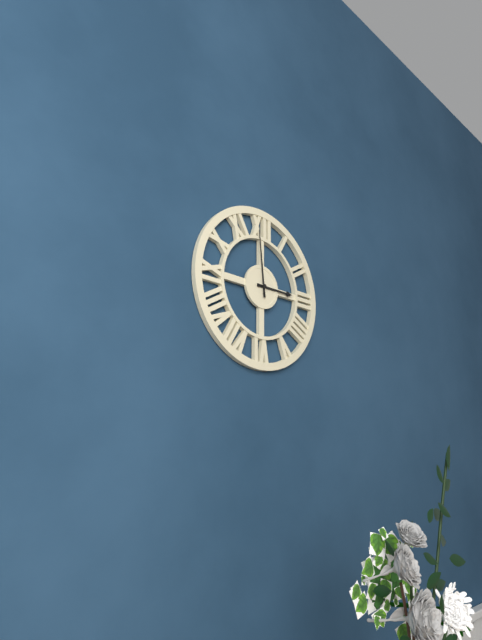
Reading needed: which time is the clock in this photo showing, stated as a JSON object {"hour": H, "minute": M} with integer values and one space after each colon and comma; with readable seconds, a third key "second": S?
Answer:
{"hour": 2, "minute": 59}
